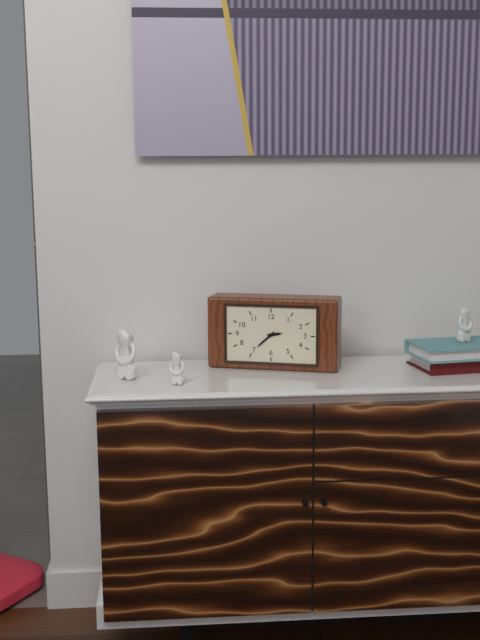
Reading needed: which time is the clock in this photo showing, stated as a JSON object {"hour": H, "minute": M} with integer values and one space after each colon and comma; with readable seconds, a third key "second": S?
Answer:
{"hour": 2, "minute": 38}
